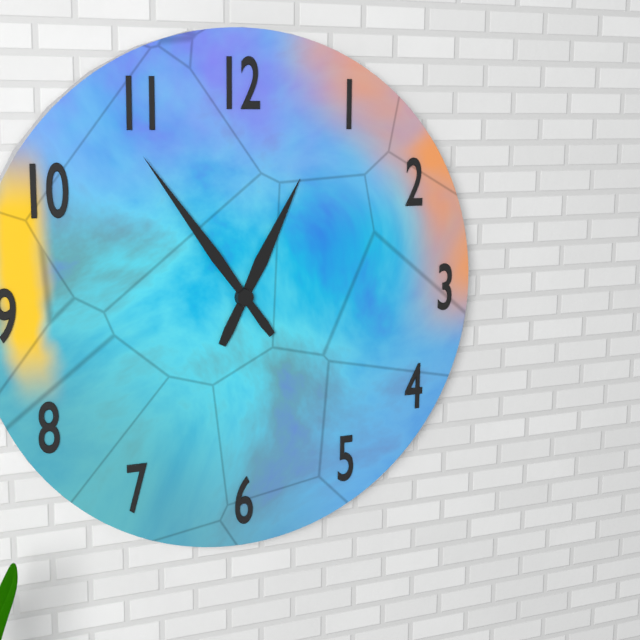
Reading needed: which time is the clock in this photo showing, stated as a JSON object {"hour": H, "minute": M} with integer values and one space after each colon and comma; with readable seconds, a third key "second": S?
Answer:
{"hour": 12, "minute": 54}
